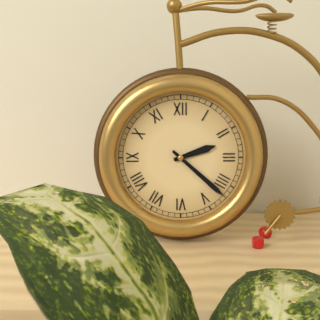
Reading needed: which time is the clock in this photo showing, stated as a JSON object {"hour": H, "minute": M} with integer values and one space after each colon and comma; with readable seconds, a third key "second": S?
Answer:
{"hour": 2, "minute": 22}
